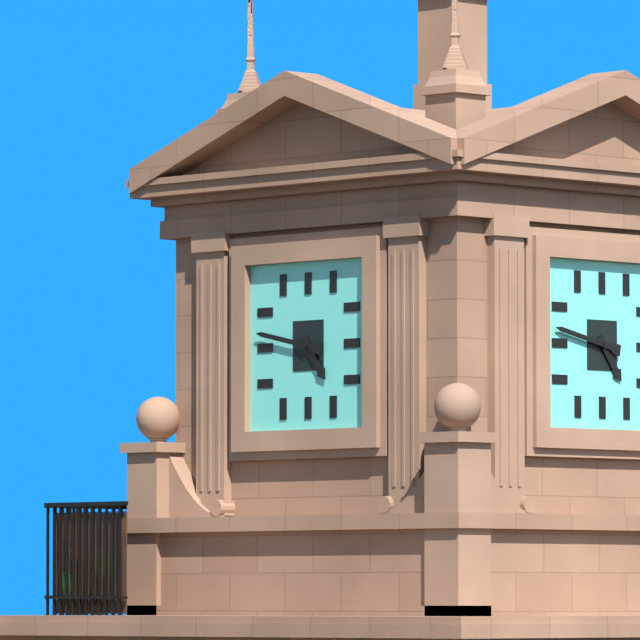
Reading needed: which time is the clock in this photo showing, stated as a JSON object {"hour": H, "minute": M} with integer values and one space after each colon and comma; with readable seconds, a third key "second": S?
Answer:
{"hour": 4, "minute": 47}
